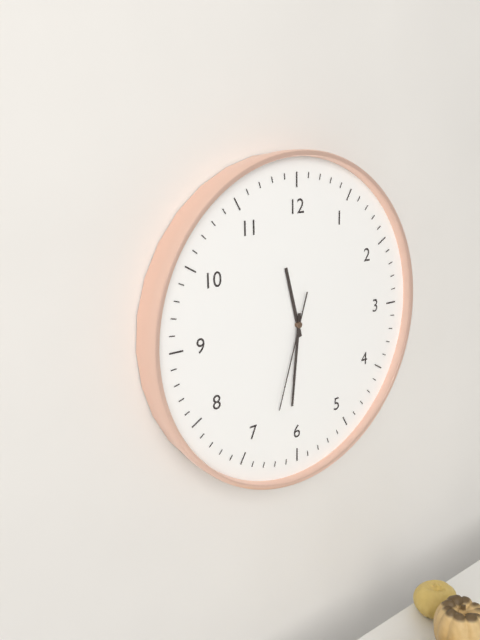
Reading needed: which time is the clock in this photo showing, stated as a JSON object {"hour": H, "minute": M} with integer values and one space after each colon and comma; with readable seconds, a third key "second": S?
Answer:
{"hour": 11, "minute": 31, "second": 33}
